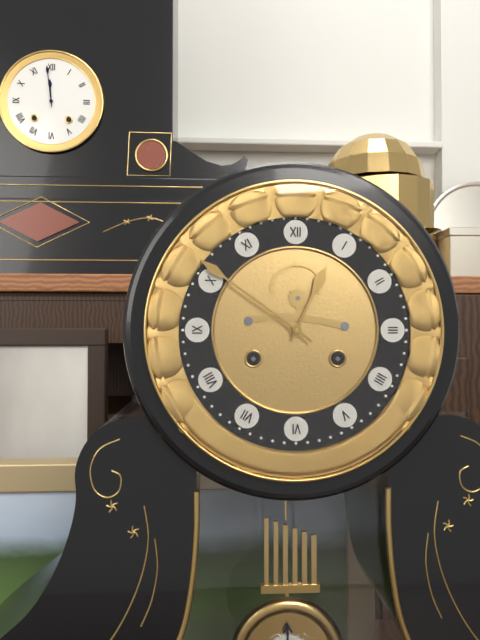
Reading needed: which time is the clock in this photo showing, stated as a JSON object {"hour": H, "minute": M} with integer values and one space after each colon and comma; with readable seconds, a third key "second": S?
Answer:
{"hour": 12, "minute": 51}
